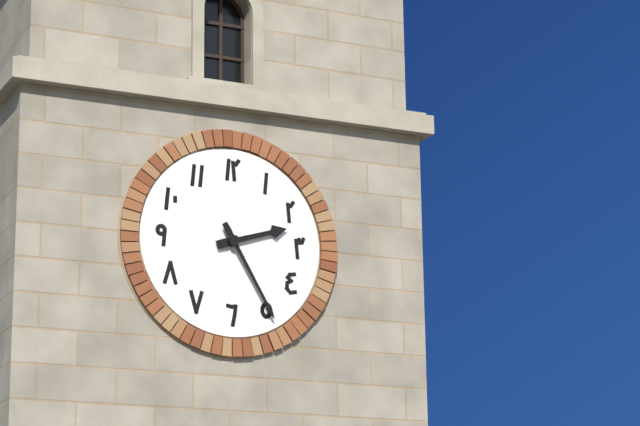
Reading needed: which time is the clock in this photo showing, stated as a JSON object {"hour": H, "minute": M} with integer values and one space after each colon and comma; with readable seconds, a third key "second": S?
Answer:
{"hour": 2, "minute": 25}
